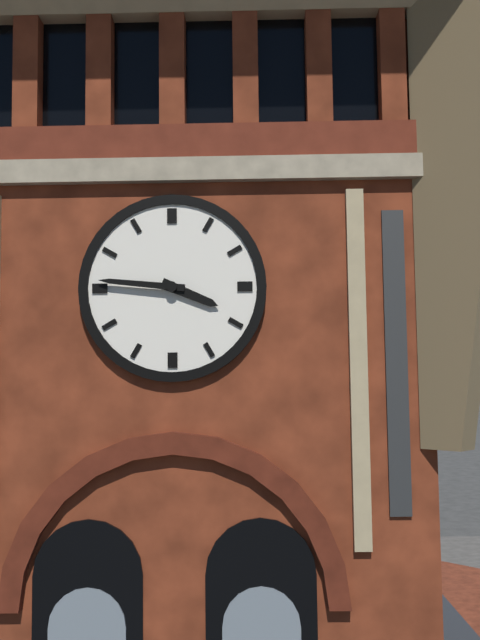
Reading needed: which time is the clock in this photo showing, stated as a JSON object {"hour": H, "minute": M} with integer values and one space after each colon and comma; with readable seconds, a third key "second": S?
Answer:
{"hour": 3, "minute": 46}
